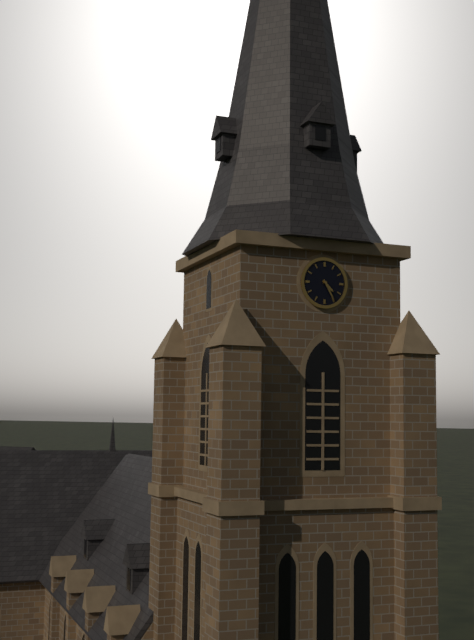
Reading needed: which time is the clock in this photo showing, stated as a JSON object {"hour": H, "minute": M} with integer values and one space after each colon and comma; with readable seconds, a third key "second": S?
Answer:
{"hour": 4, "minute": 25}
